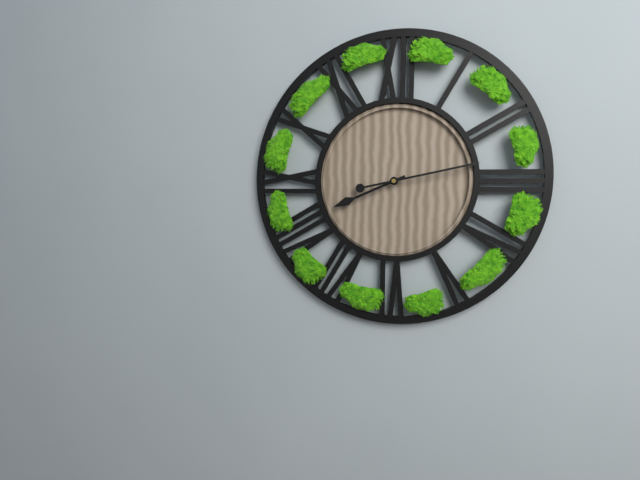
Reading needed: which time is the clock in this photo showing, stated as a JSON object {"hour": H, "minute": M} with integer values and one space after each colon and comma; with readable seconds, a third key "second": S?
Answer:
{"hour": 8, "minute": 13}
